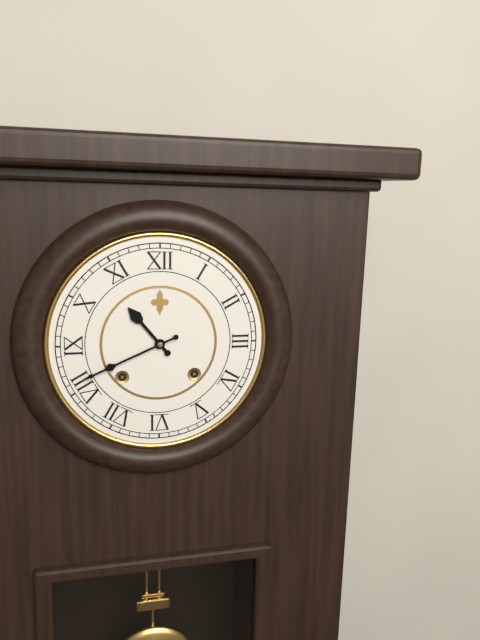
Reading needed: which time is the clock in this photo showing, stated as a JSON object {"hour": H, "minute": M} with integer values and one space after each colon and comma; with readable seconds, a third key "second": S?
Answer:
{"hour": 10, "minute": 41}
